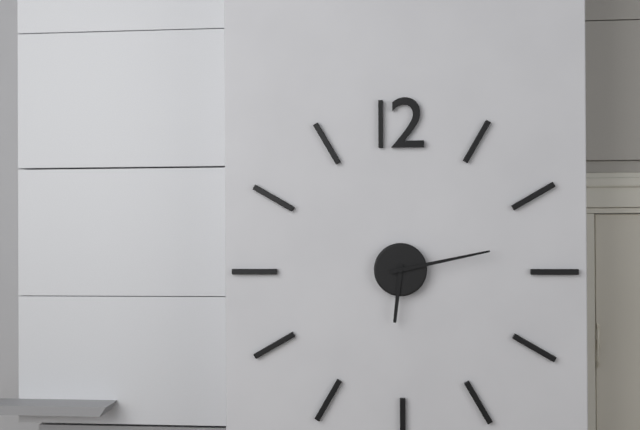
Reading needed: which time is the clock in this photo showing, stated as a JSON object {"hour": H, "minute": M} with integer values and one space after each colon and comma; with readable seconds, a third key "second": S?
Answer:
{"hour": 6, "minute": 13}
